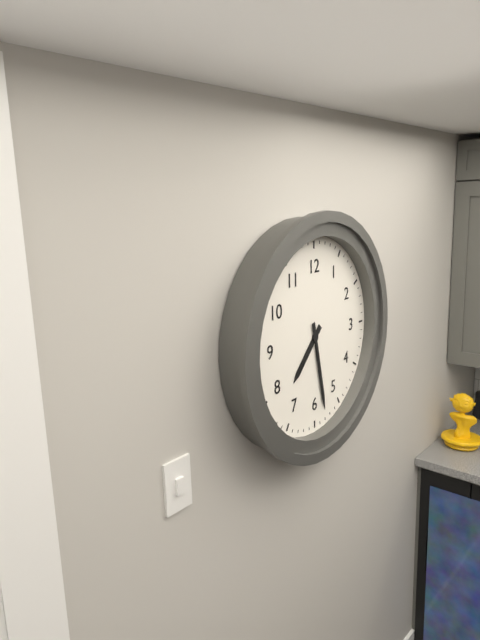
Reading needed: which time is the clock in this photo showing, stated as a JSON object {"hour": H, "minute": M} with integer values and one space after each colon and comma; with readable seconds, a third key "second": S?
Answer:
{"hour": 7, "minute": 28}
